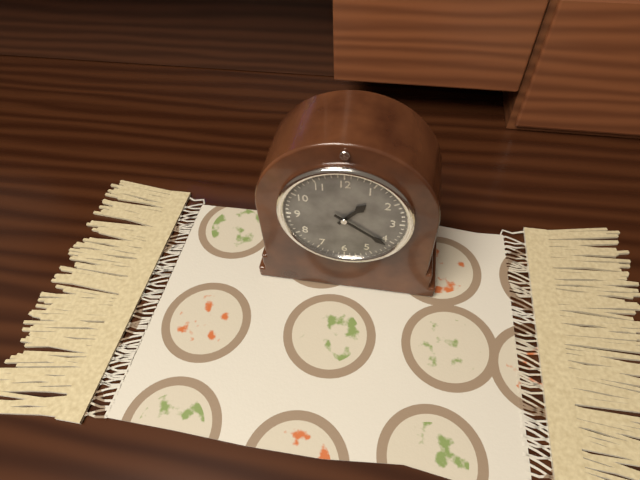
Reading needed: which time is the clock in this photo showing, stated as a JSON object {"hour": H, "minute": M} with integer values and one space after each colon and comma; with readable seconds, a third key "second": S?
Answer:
{"hour": 1, "minute": 21}
